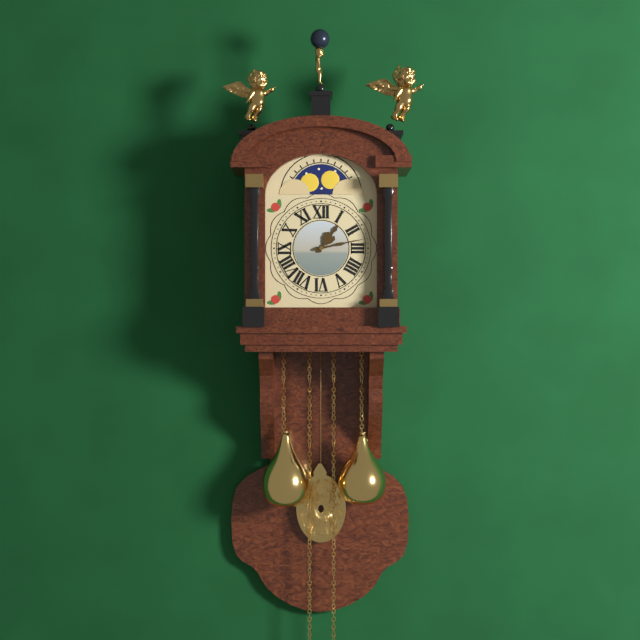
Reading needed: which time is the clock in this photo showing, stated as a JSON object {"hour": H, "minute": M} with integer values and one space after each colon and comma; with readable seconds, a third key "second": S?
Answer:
{"hour": 1, "minute": 13}
